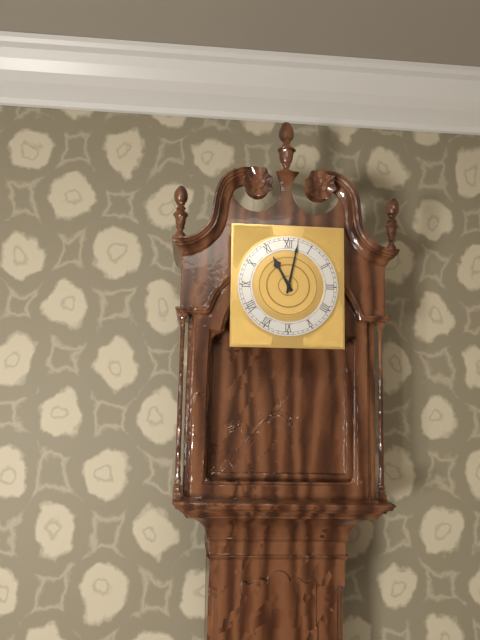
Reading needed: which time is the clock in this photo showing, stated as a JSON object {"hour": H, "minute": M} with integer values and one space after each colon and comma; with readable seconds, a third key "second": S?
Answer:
{"hour": 11, "minute": 2}
